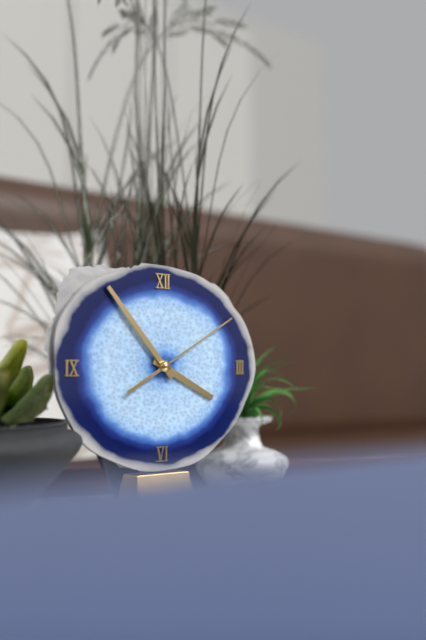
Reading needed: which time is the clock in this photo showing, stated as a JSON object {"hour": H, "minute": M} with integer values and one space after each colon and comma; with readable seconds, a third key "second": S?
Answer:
{"hour": 3, "minute": 53, "second": 10}
